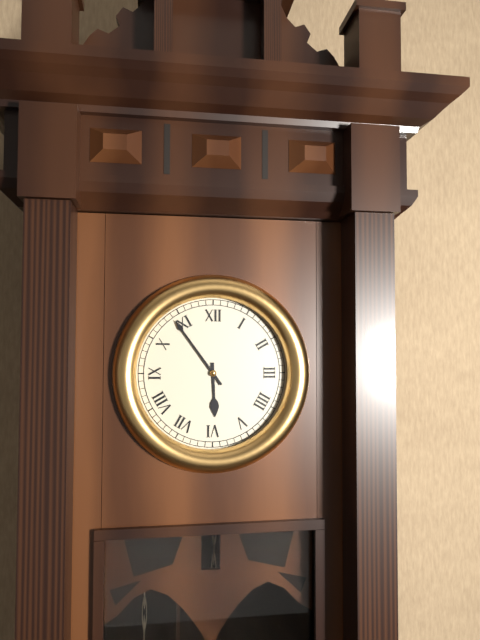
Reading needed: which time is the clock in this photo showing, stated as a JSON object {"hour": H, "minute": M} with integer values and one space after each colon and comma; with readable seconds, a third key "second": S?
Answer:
{"hour": 5, "minute": 54}
